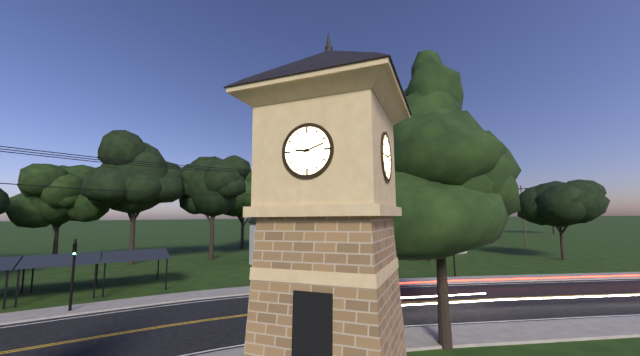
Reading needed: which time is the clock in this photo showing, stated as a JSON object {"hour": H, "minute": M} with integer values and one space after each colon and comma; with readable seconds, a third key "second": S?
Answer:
{"hour": 9, "minute": 12}
